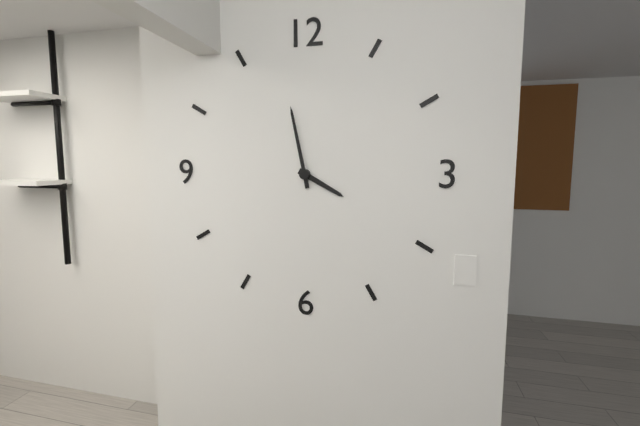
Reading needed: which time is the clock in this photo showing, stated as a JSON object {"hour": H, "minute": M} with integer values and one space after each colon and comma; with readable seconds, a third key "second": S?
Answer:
{"hour": 3, "minute": 58}
